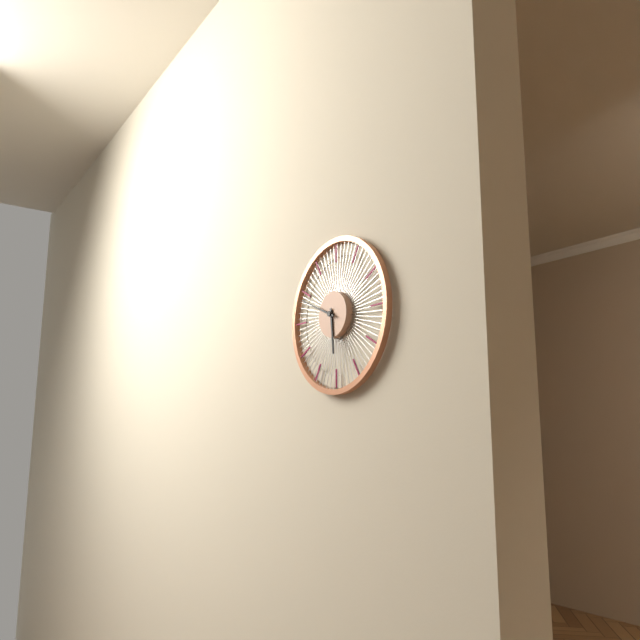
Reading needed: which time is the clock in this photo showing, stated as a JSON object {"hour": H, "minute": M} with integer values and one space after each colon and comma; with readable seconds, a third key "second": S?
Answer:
{"hour": 5, "minute": 49}
